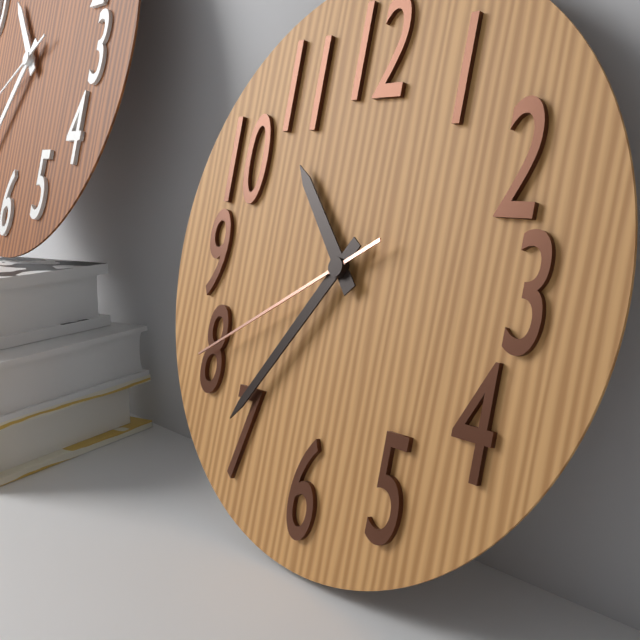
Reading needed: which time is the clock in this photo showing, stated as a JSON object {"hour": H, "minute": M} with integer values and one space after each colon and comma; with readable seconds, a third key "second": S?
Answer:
{"hour": 10, "minute": 36, "second": 40}
